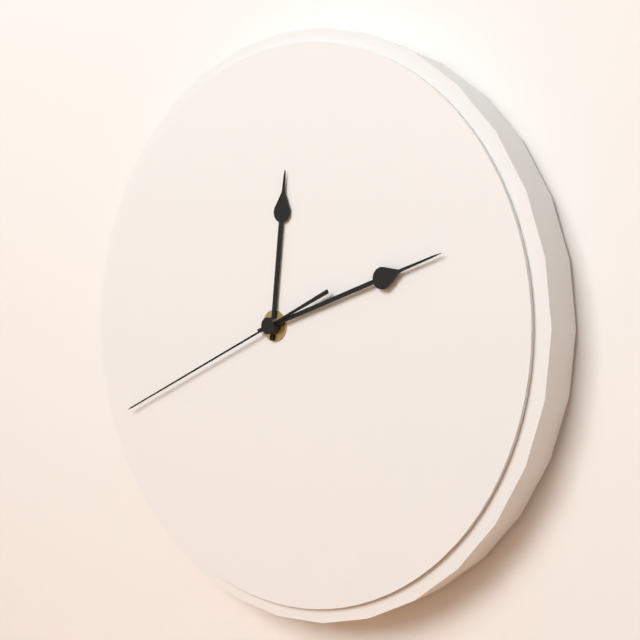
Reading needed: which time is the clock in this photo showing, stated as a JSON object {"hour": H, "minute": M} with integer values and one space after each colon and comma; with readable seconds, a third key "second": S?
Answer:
{"hour": 12, "minute": 12, "second": 41}
